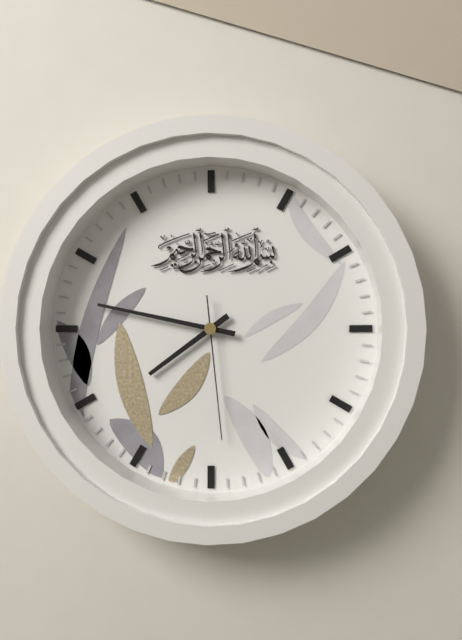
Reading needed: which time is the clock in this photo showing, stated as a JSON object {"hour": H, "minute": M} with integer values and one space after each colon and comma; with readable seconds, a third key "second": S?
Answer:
{"hour": 7, "minute": 47, "second": 29}
